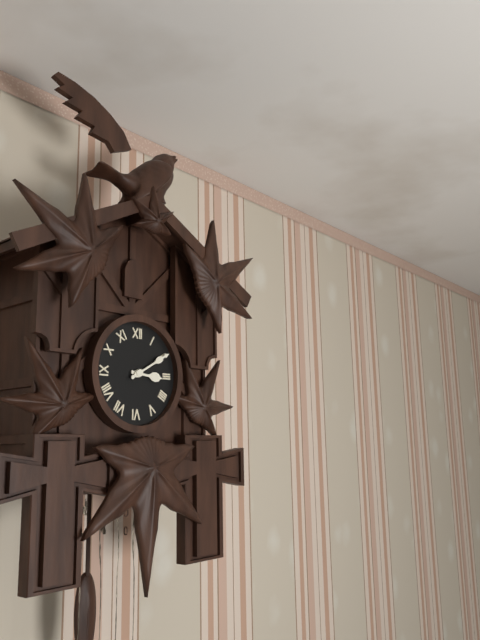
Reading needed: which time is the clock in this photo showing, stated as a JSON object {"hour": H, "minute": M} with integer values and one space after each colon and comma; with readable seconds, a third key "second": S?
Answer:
{"hour": 3, "minute": 10}
